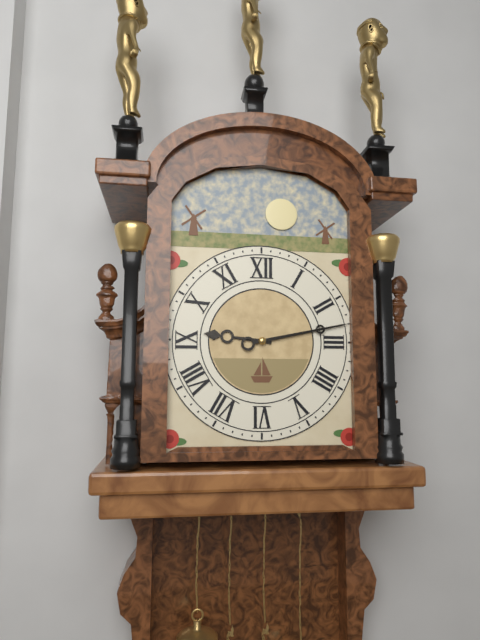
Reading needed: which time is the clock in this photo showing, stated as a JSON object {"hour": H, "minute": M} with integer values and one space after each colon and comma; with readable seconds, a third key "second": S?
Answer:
{"hour": 9, "minute": 13}
